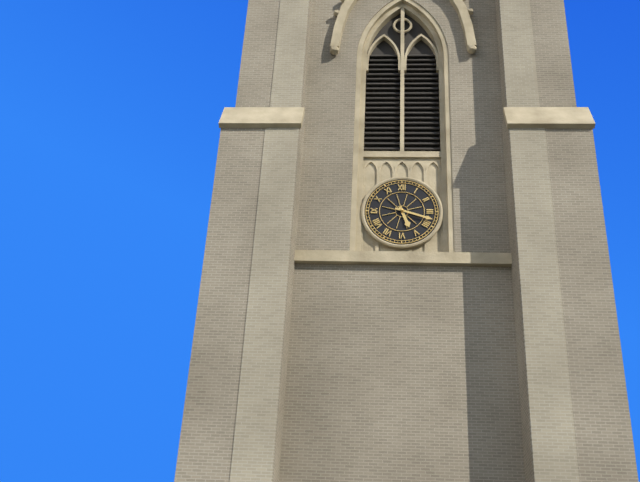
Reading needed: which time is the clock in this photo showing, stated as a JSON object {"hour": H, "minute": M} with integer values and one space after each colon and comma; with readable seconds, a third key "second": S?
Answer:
{"hour": 5, "minute": 18}
